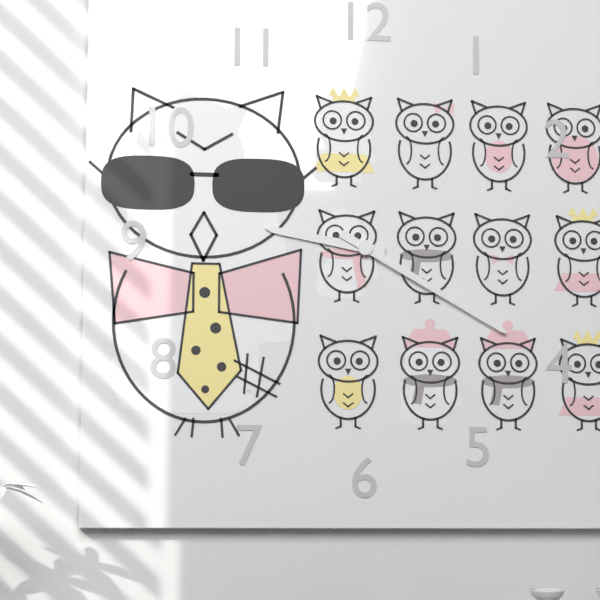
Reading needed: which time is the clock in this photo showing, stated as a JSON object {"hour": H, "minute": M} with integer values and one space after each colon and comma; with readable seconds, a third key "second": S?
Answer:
{"hour": 9, "minute": 20}
